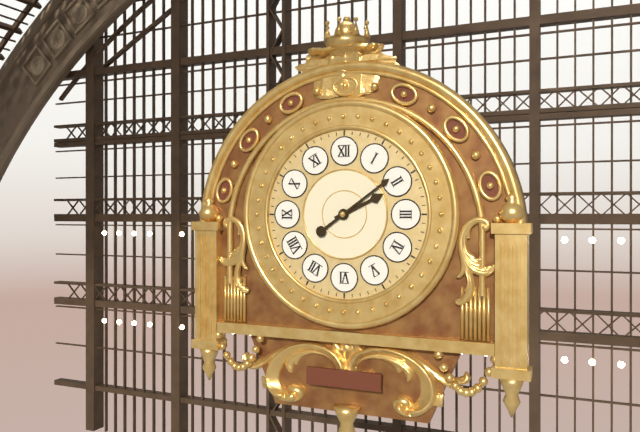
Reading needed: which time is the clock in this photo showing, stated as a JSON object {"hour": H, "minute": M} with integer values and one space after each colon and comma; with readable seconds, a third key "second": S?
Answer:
{"hour": 2, "minute": 9}
